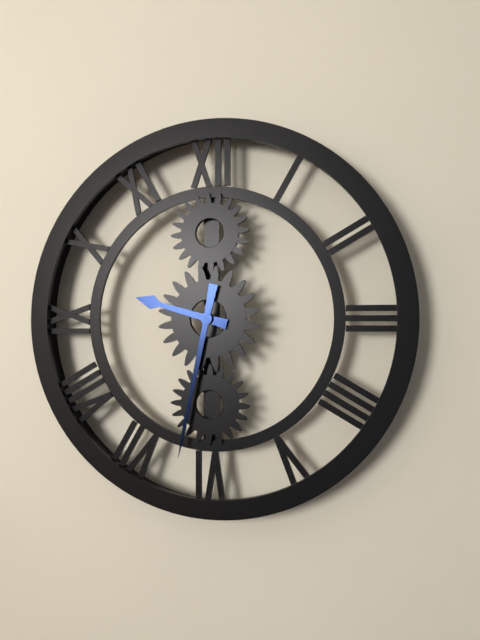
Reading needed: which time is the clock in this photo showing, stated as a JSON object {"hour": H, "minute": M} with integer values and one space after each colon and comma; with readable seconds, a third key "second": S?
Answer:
{"hour": 9, "minute": 32}
